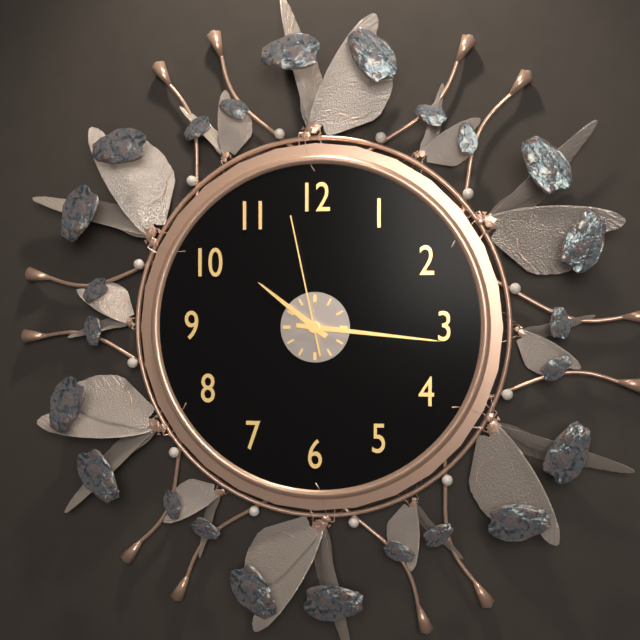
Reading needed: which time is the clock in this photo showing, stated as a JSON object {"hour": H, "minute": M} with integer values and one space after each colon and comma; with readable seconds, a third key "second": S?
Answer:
{"hour": 10, "minute": 16, "second": 58}
